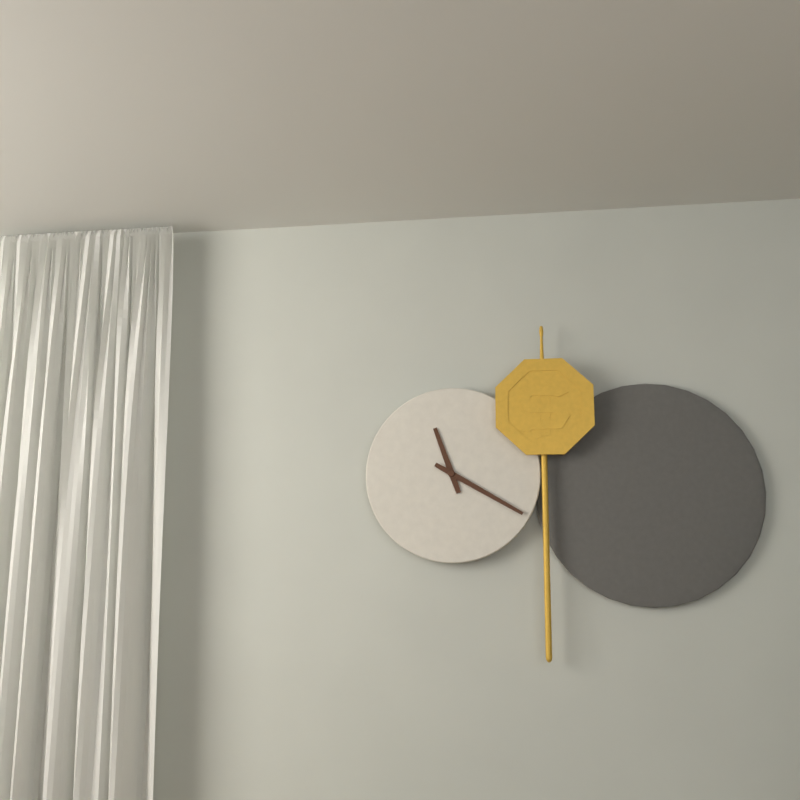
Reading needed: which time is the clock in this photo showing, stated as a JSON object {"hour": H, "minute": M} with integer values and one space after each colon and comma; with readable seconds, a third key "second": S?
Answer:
{"hour": 11, "minute": 20}
